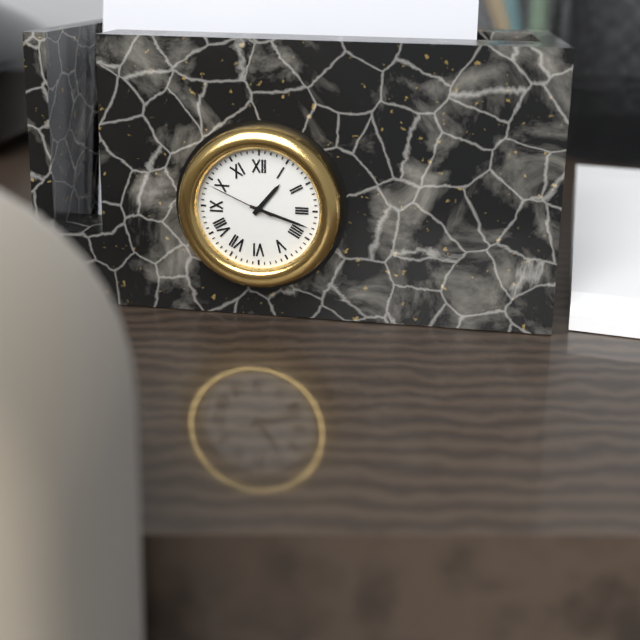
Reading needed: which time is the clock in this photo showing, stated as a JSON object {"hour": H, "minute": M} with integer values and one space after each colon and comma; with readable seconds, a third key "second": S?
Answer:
{"hour": 1, "minute": 18, "second": 49}
